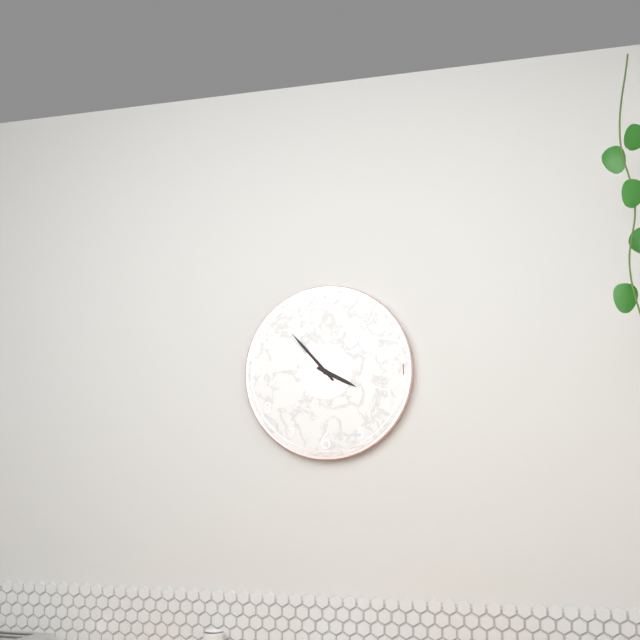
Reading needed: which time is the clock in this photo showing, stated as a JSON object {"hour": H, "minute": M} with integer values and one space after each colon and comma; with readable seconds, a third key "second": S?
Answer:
{"hour": 3, "minute": 53}
